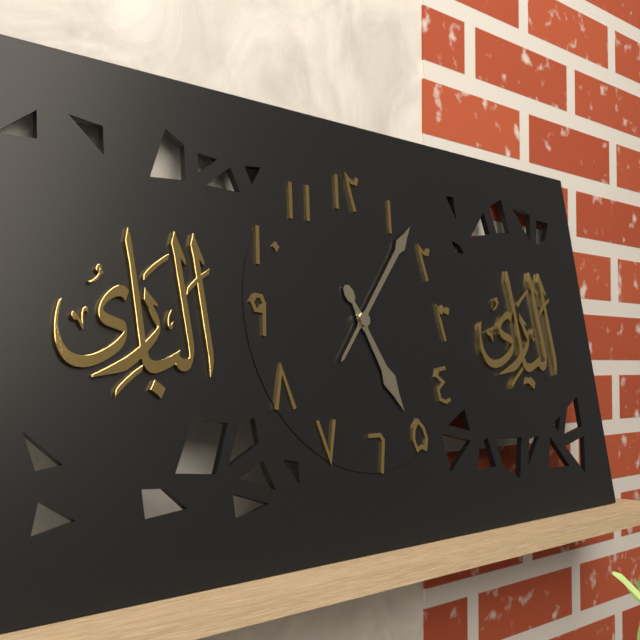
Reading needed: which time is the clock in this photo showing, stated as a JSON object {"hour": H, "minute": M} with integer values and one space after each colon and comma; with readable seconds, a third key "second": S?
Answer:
{"hour": 5, "minute": 7}
